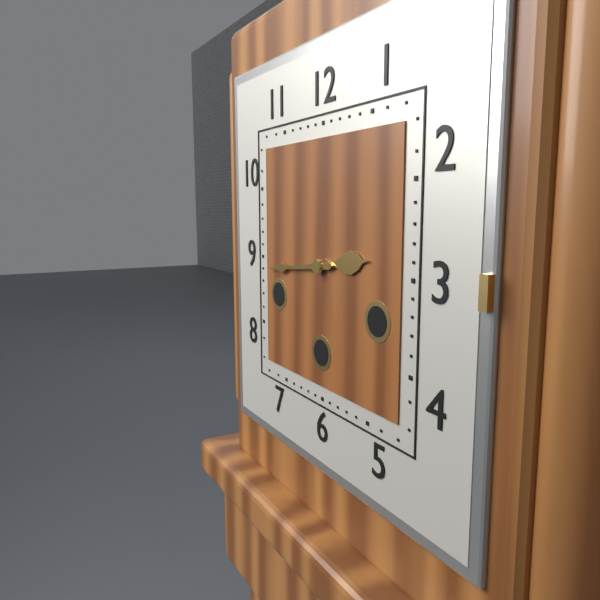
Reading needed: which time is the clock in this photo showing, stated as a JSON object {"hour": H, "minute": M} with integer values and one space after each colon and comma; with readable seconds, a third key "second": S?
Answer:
{"hour": 2, "minute": 44}
